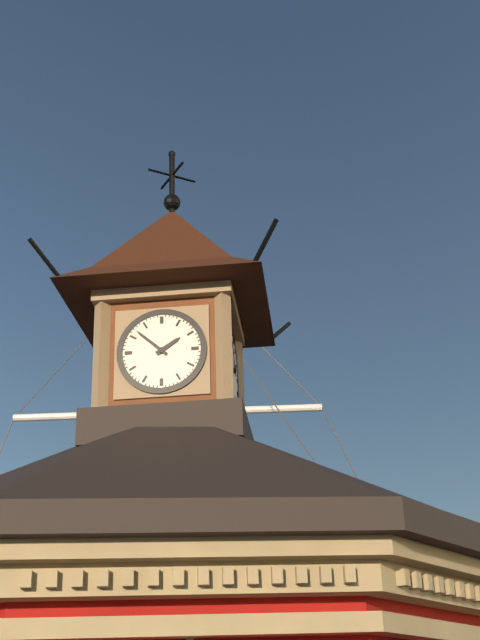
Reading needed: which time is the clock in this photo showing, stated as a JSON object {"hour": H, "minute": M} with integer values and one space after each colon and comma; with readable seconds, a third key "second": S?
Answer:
{"hour": 1, "minute": 52}
